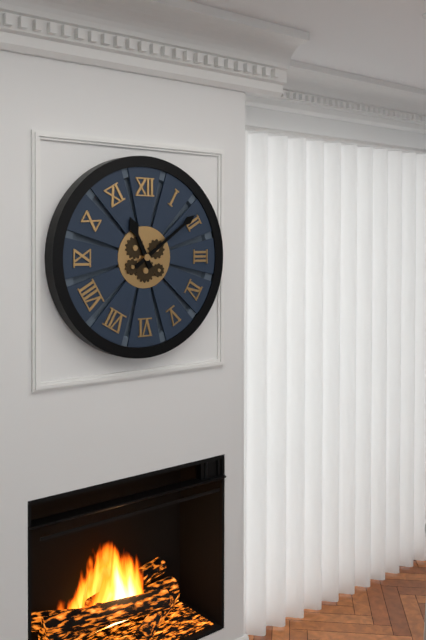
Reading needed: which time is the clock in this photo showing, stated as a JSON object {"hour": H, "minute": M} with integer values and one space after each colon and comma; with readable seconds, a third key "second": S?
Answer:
{"hour": 11, "minute": 9}
